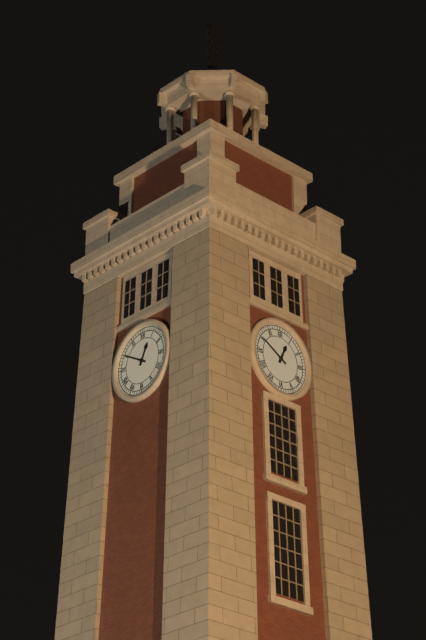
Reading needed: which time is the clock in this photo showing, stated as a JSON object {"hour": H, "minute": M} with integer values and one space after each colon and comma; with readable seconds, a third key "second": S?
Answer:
{"hour": 12, "minute": 50}
